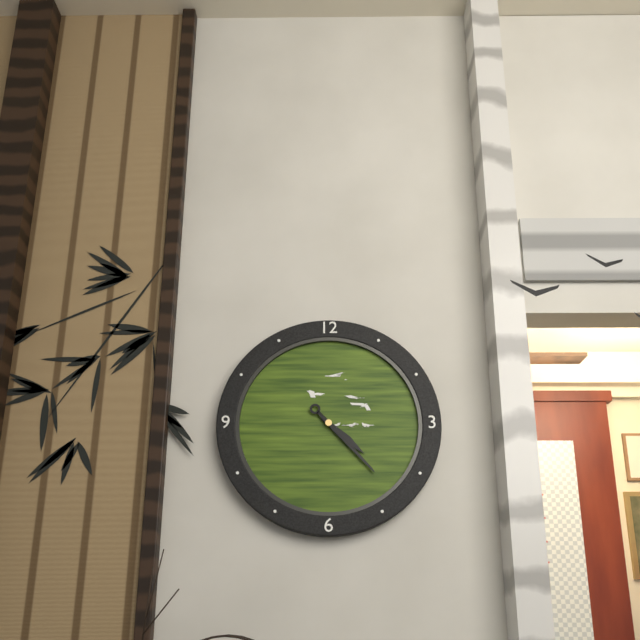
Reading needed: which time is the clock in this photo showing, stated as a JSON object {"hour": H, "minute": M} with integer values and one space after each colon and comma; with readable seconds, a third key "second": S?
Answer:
{"hour": 4, "minute": 23}
